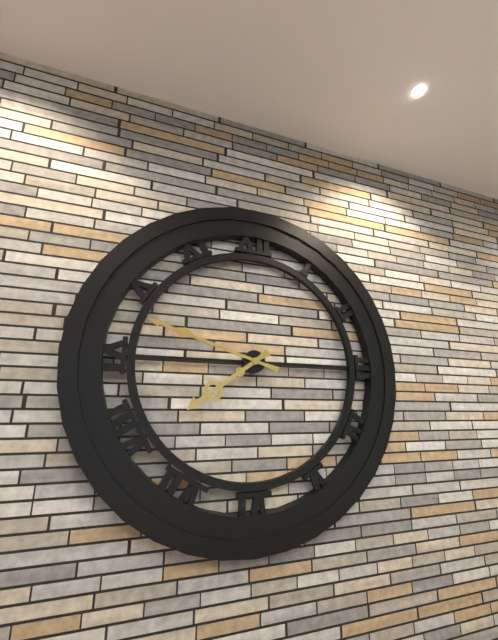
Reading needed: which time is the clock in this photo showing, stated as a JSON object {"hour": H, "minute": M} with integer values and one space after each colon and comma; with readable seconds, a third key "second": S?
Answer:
{"hour": 7, "minute": 48}
